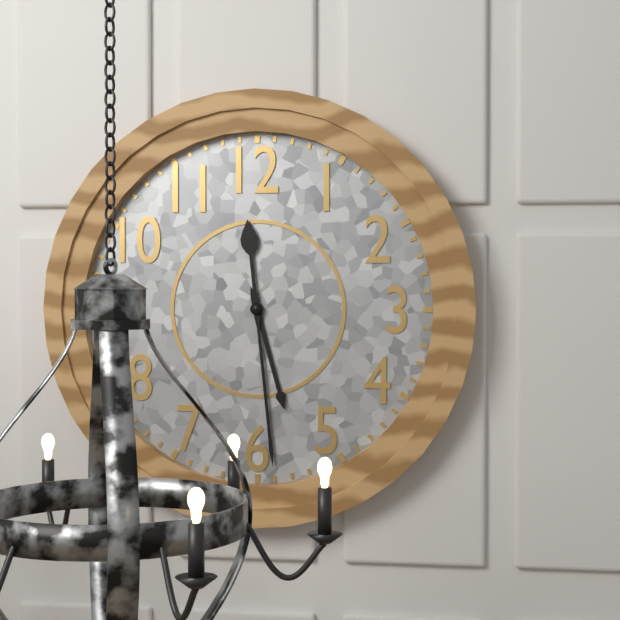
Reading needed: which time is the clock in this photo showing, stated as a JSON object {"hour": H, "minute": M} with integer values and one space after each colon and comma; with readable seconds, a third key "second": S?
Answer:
{"hour": 5, "minute": 29}
